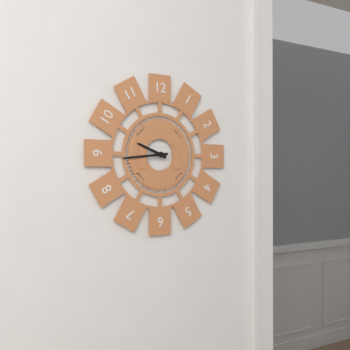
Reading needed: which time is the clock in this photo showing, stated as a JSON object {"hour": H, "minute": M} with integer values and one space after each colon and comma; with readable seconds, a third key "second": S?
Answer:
{"hour": 9, "minute": 44}
